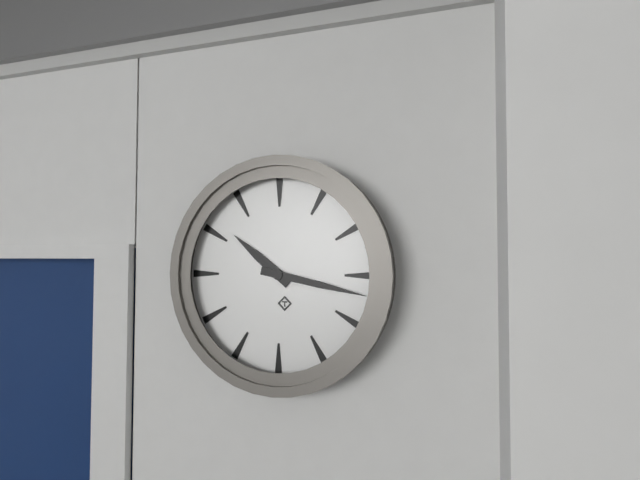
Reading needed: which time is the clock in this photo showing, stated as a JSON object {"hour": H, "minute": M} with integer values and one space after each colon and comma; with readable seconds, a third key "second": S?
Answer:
{"hour": 10, "minute": 17}
